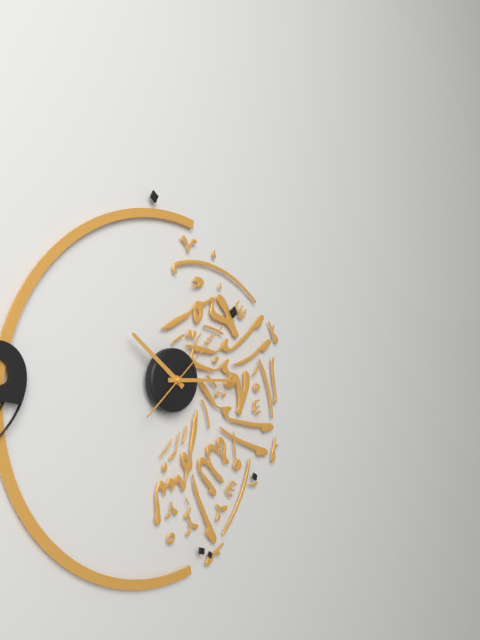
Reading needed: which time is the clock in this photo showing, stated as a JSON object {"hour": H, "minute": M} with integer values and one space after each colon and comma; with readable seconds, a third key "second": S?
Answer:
{"hour": 10, "minute": 15, "second": 8}
